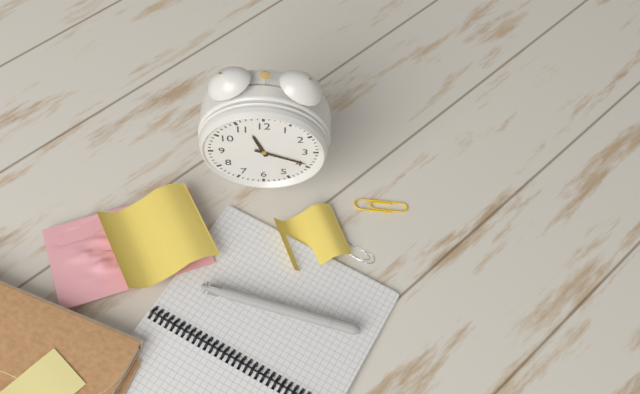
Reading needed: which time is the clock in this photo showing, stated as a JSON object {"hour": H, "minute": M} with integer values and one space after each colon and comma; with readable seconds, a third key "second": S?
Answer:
{"hour": 11, "minute": 19}
